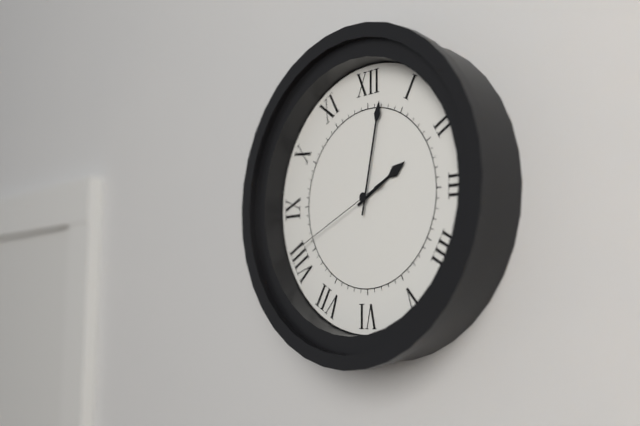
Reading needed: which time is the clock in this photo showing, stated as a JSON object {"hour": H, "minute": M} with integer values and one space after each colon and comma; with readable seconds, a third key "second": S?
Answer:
{"hour": 2, "minute": 2, "second": 41}
